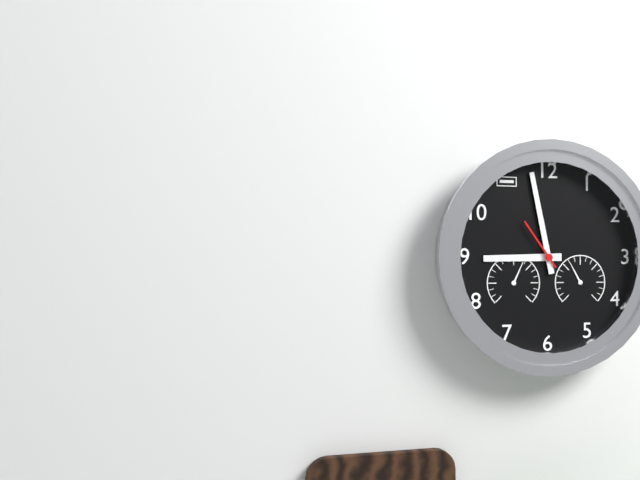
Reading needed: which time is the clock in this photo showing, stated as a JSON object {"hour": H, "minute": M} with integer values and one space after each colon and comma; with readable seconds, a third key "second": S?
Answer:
{"hour": 8, "minute": 58, "second": 54}
